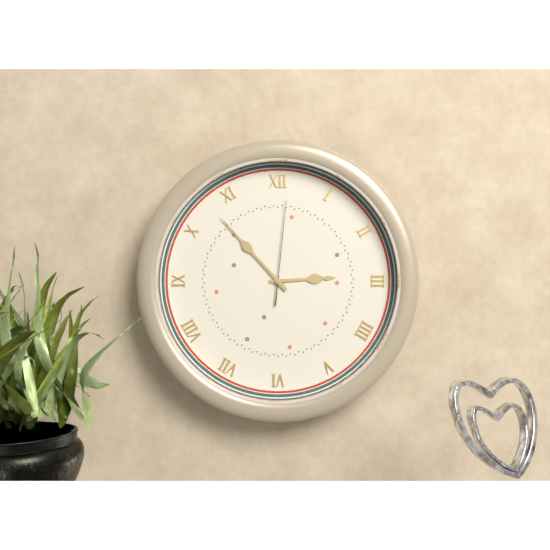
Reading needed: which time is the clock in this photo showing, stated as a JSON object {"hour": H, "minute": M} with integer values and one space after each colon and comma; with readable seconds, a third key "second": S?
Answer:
{"hour": 2, "minute": 53, "second": 1}
